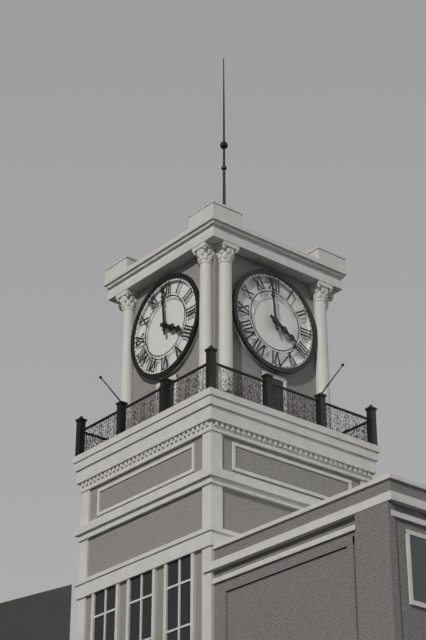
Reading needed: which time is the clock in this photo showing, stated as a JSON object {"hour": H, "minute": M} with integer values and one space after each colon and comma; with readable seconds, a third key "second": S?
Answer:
{"hour": 3, "minute": 59}
